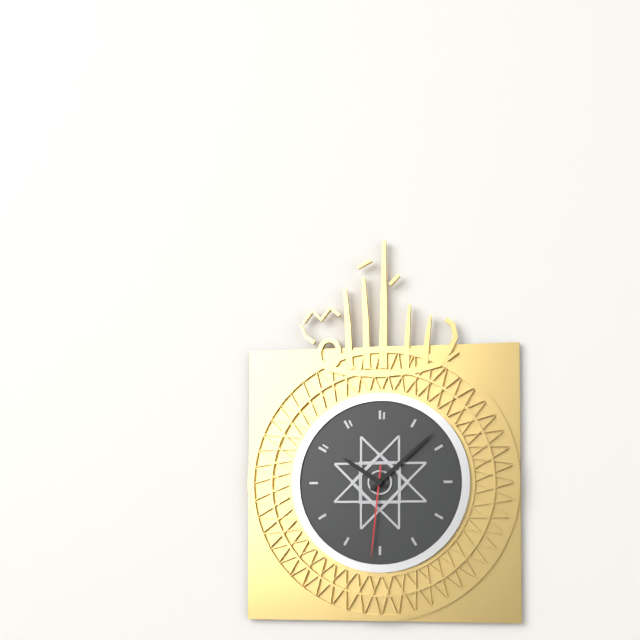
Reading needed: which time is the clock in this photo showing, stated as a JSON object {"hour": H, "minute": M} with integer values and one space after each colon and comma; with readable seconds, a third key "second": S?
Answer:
{"hour": 10, "minute": 8, "second": 31}
